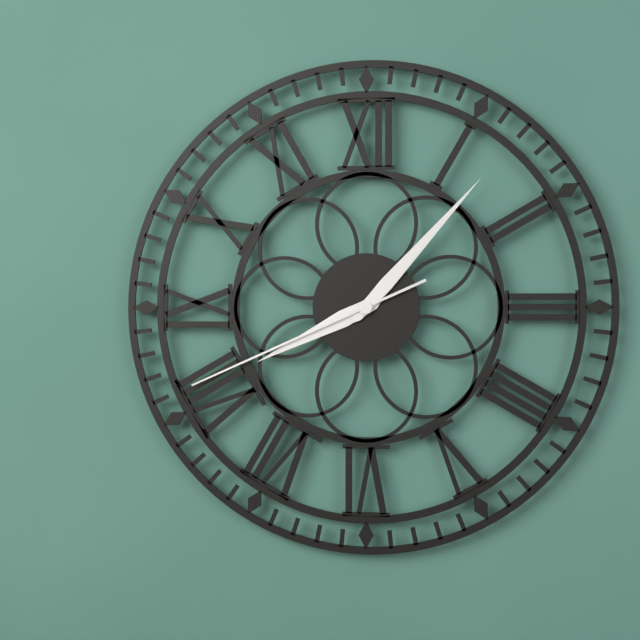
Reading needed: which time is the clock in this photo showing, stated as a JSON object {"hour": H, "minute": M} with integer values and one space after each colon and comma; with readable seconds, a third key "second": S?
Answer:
{"hour": 8, "minute": 7, "second": 41}
